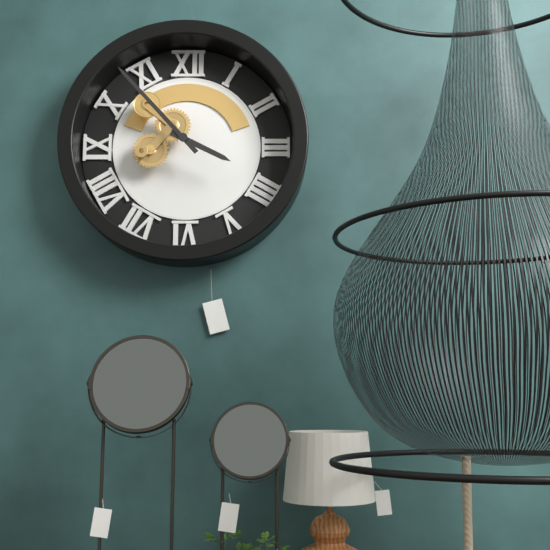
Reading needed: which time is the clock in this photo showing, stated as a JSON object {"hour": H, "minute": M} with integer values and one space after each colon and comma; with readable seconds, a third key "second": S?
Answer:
{"hour": 3, "minute": 53}
